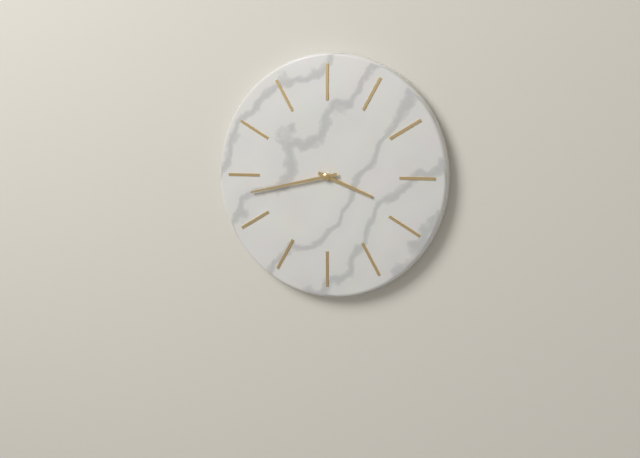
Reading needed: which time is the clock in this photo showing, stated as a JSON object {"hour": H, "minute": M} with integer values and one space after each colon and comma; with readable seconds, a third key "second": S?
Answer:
{"hour": 3, "minute": 43}
